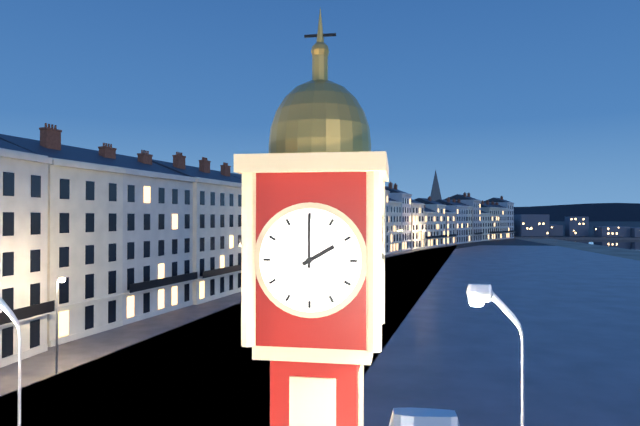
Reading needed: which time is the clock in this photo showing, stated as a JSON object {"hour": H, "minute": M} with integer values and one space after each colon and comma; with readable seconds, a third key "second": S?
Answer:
{"hour": 2, "minute": 0}
